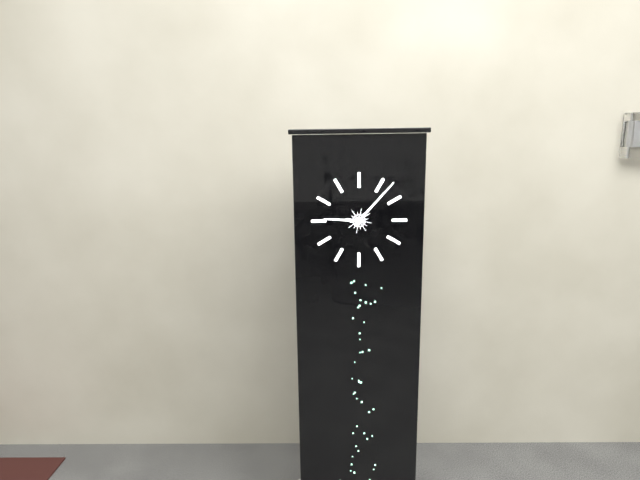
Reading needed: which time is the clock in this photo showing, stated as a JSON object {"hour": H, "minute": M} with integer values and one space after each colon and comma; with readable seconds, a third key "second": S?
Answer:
{"hour": 9, "minute": 7}
